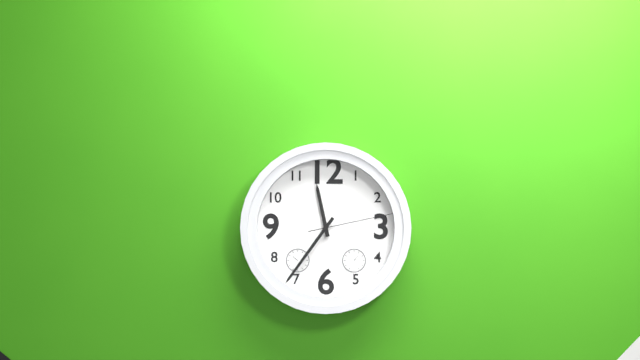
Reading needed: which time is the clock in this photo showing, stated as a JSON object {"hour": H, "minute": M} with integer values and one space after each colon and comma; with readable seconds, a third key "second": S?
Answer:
{"hour": 11, "minute": 36, "second": 13}
